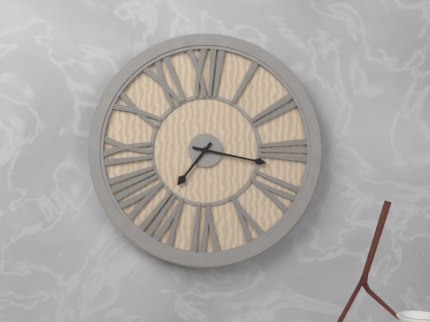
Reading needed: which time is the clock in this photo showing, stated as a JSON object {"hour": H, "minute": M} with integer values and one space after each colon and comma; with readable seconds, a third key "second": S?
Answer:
{"hour": 7, "minute": 17}
